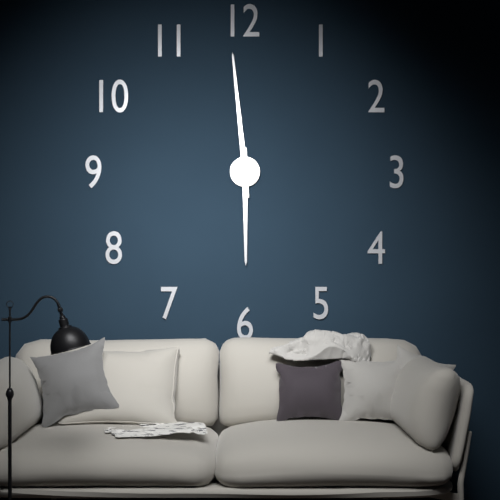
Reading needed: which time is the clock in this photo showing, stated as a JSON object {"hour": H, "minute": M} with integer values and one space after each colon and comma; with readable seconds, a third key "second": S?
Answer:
{"hour": 5, "minute": 59}
